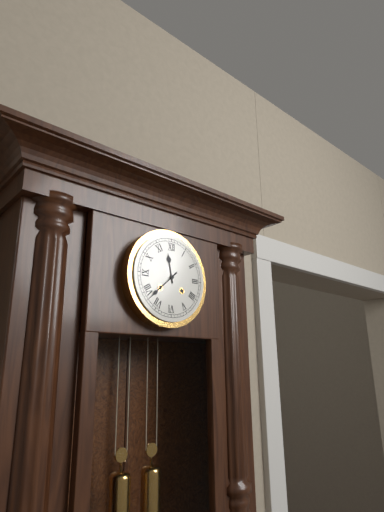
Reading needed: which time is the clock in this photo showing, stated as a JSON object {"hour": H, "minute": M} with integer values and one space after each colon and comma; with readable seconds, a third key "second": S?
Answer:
{"hour": 11, "minute": 38}
